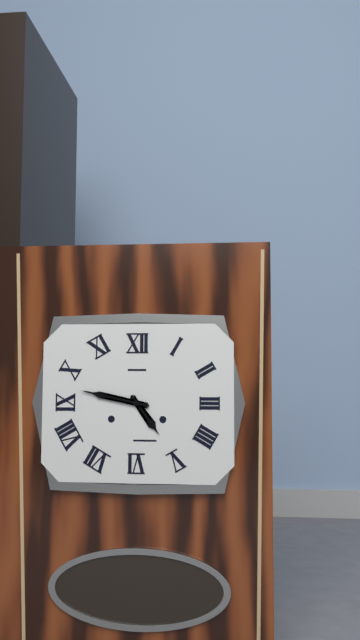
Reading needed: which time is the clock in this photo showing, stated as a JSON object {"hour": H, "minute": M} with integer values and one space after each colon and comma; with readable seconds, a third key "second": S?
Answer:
{"hour": 4, "minute": 47}
